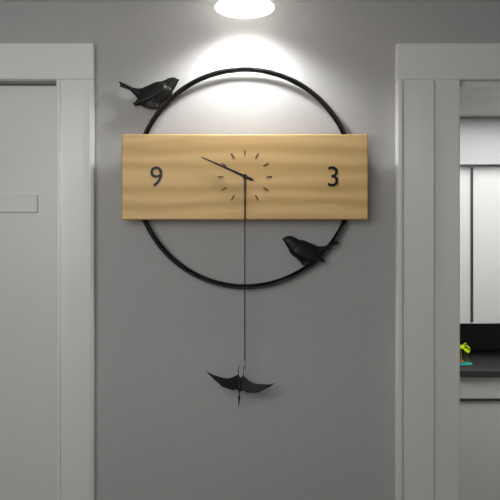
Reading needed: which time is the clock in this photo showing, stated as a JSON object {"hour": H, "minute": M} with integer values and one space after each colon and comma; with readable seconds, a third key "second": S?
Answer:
{"hour": 9, "minute": 49}
